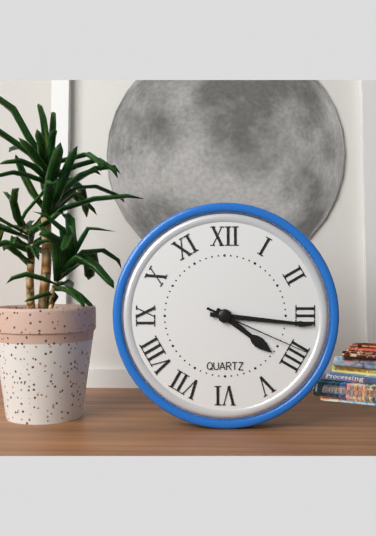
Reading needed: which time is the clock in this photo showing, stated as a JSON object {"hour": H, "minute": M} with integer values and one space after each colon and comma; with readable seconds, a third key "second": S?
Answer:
{"hour": 4, "minute": 16, "second": 19}
